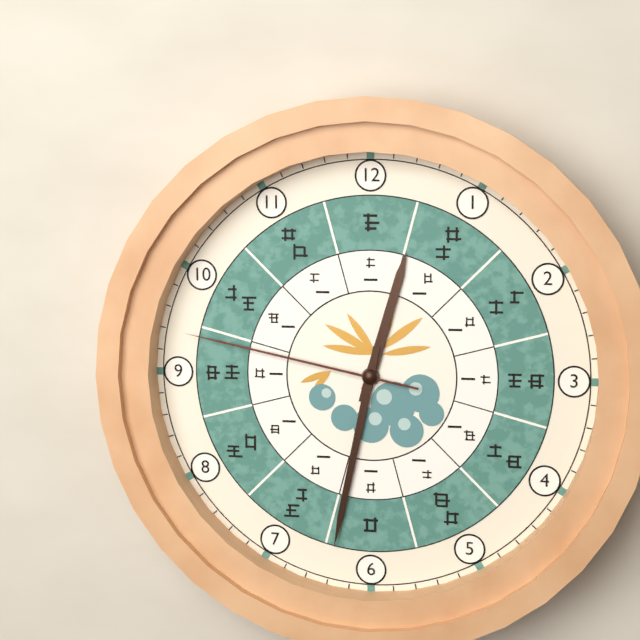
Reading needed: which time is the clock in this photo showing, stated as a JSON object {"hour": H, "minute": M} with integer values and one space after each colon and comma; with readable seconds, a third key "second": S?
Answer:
{"hour": 12, "minute": 32, "second": 47}
